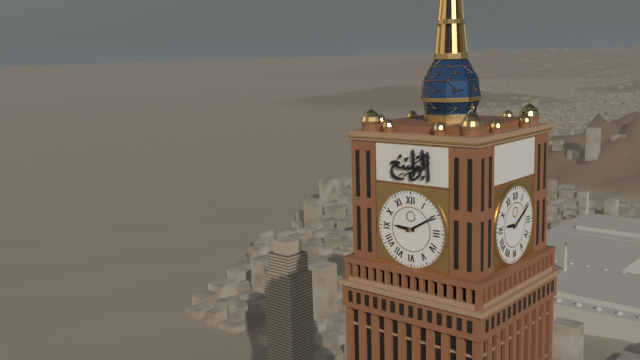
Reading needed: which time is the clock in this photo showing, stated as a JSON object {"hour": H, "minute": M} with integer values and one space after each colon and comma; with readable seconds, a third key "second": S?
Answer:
{"hour": 9, "minute": 10}
